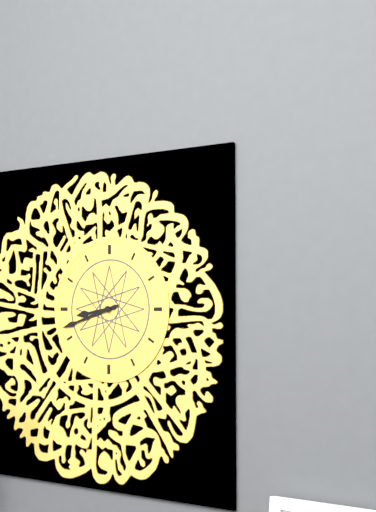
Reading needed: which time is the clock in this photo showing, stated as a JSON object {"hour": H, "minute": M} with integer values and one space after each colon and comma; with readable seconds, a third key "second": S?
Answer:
{"hour": 8, "minute": 42}
